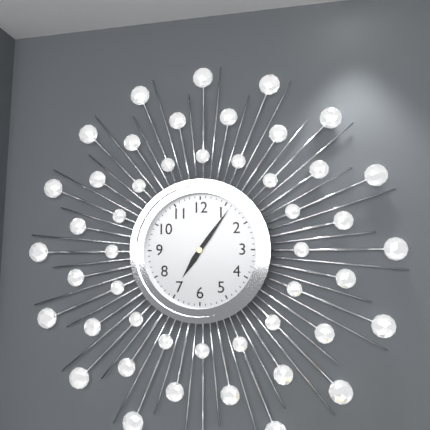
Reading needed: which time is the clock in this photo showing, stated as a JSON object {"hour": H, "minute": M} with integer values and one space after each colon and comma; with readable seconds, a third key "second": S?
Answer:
{"hour": 7, "minute": 6}
